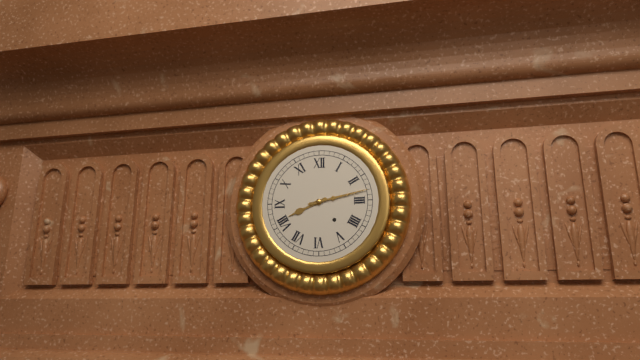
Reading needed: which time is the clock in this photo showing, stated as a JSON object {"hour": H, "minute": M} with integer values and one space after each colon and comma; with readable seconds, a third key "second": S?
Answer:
{"hour": 8, "minute": 13}
